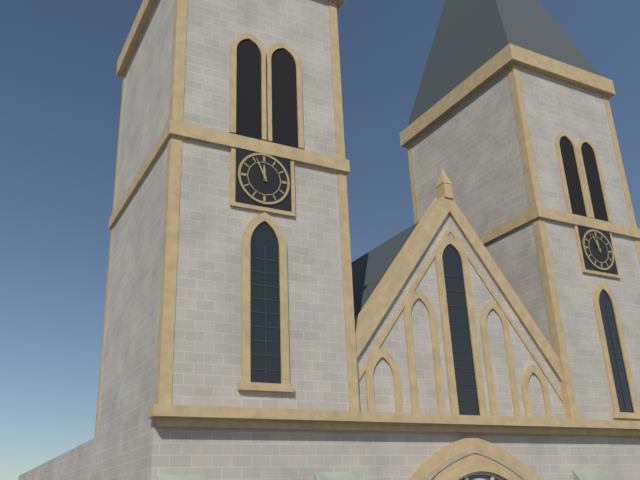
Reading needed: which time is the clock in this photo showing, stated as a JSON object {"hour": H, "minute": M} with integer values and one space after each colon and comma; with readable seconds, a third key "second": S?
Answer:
{"hour": 11, "minute": 56}
